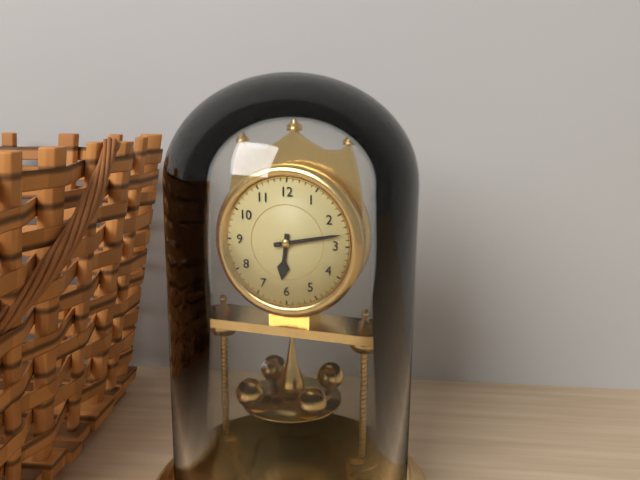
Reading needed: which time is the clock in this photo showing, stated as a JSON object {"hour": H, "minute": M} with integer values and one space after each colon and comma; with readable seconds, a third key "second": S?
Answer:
{"hour": 6, "minute": 13}
